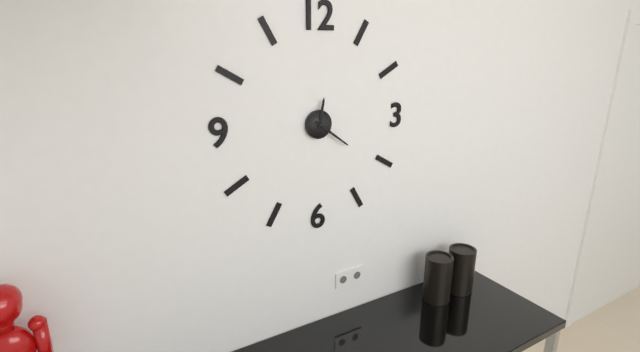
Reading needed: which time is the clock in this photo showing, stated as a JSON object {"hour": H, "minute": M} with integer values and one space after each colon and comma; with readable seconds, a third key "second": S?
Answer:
{"hour": 12, "minute": 21}
